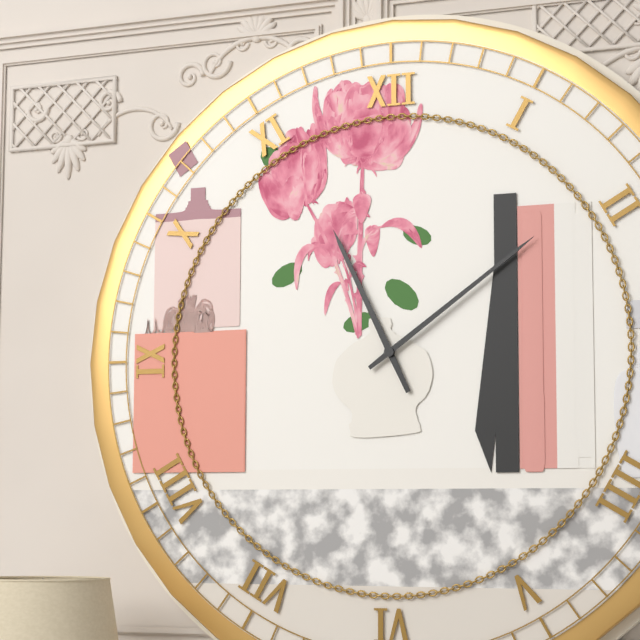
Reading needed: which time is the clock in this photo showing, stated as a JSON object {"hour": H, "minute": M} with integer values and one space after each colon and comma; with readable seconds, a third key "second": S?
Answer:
{"hour": 11, "minute": 9}
